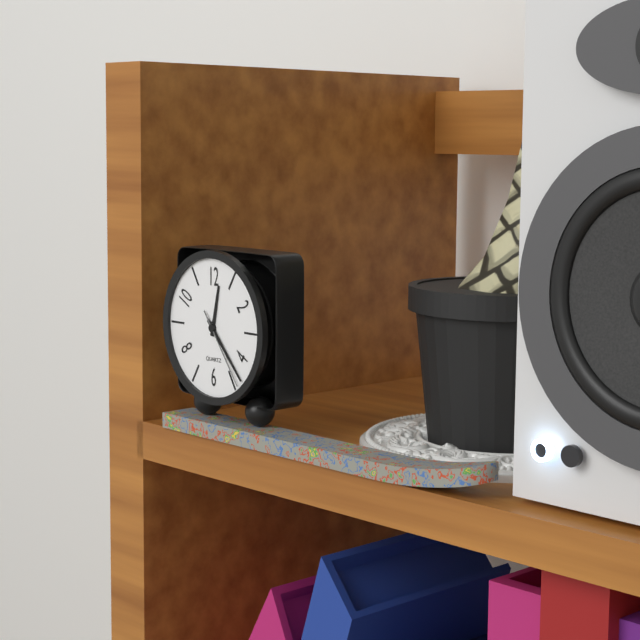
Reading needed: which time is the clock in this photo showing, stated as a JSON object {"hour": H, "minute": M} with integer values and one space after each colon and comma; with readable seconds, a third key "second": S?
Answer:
{"hour": 12, "minute": 23, "second": 24}
